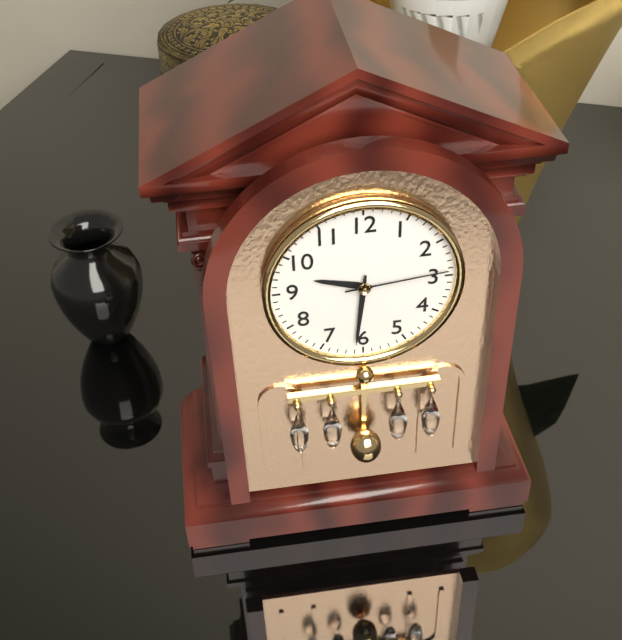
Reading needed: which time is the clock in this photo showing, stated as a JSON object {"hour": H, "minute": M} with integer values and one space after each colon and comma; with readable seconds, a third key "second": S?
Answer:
{"hour": 9, "minute": 31, "second": 14}
